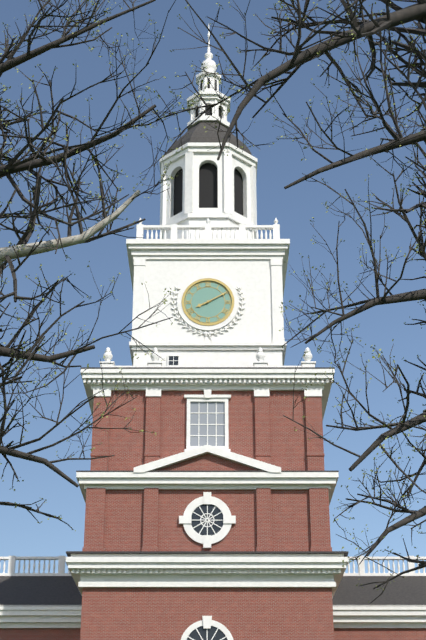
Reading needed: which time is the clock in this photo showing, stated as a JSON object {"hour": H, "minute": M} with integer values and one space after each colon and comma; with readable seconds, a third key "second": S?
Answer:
{"hour": 8, "minute": 10}
